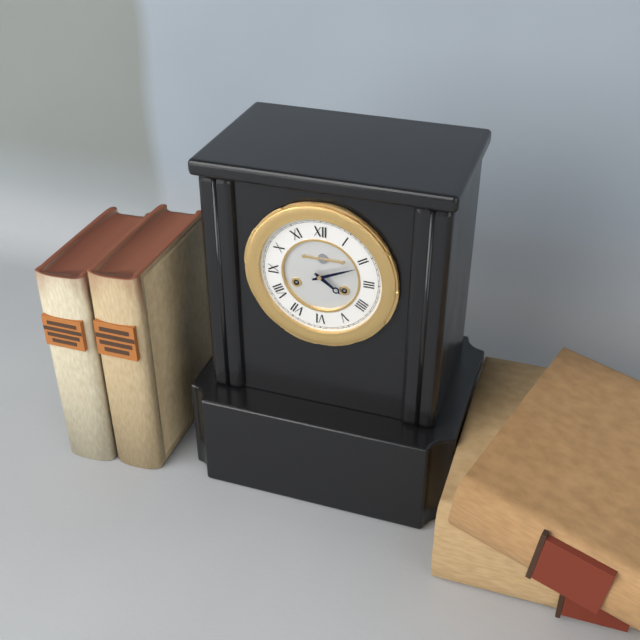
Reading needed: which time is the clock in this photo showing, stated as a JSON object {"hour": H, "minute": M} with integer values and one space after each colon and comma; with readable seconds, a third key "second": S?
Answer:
{"hour": 4, "minute": 11}
